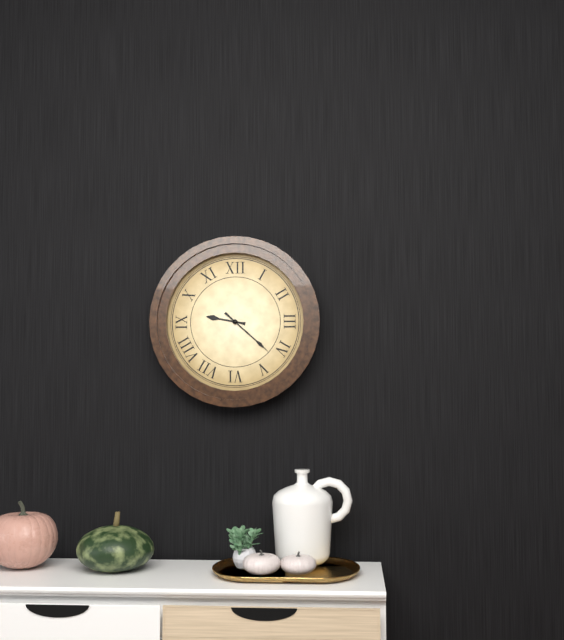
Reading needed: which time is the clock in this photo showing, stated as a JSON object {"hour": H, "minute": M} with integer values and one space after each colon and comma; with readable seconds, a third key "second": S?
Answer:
{"hour": 9, "minute": 22}
